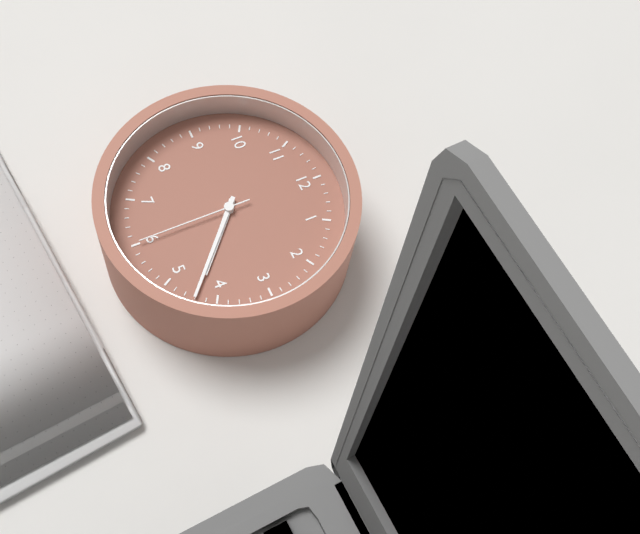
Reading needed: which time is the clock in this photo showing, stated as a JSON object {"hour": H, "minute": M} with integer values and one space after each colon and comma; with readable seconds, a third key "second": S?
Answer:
{"hour": 4, "minute": 22, "second": 30}
